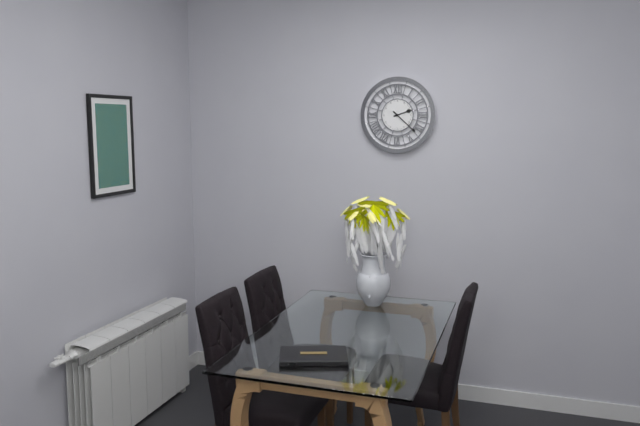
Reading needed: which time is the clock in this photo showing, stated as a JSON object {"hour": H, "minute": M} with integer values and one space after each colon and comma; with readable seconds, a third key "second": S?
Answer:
{"hour": 2, "minute": 22}
